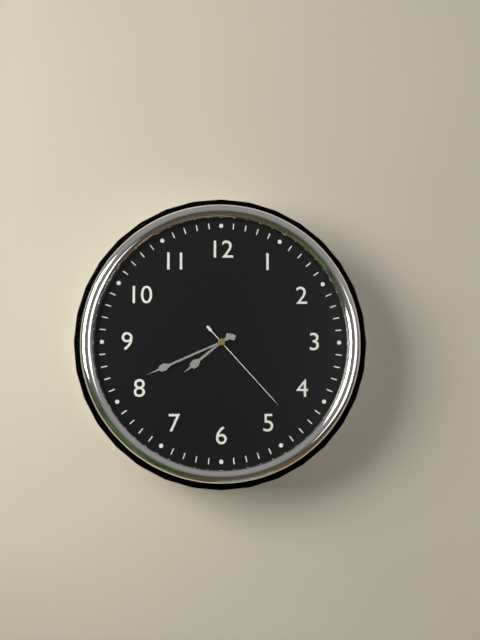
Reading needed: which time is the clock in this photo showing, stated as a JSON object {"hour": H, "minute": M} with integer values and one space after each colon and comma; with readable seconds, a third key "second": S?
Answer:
{"hour": 7, "minute": 41, "second": 23}
